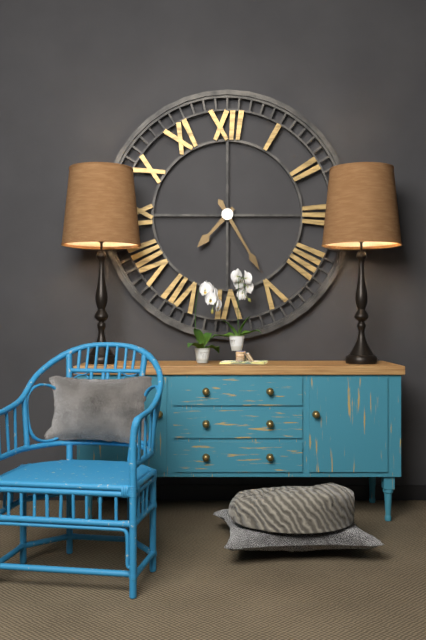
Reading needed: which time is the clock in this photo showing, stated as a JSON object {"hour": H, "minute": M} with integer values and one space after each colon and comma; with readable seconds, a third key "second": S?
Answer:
{"hour": 7, "minute": 25}
